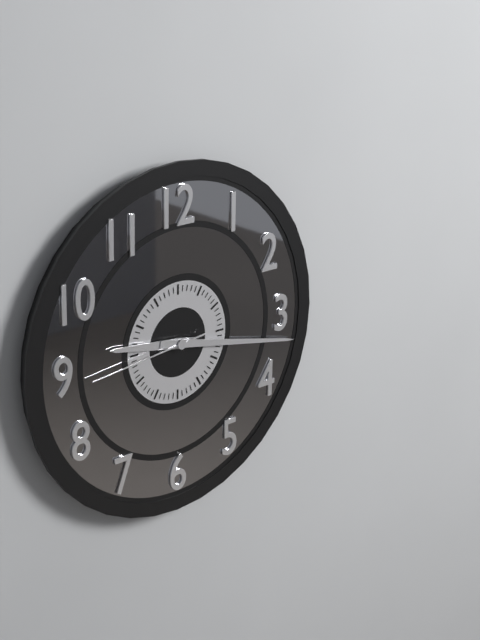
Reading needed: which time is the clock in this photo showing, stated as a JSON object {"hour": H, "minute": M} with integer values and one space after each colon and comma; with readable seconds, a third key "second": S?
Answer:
{"hour": 9, "minute": 17, "second": 44}
